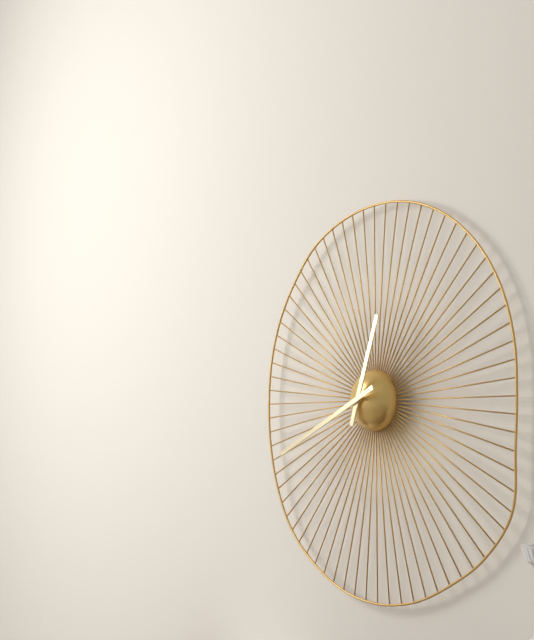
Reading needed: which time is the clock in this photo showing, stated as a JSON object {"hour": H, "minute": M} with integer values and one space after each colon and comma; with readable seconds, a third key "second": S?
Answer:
{"hour": 12, "minute": 41}
